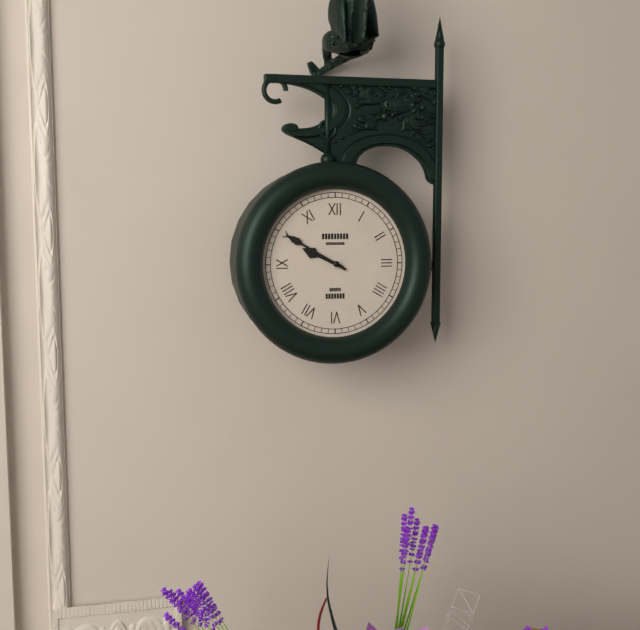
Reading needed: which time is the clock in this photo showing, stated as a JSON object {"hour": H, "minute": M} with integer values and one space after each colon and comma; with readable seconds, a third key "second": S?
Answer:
{"hour": 9, "minute": 50}
